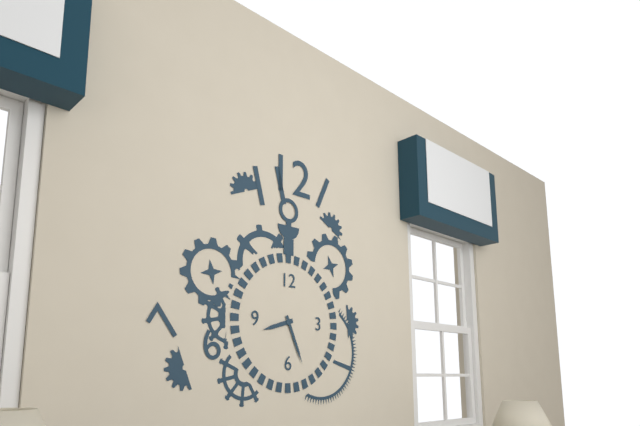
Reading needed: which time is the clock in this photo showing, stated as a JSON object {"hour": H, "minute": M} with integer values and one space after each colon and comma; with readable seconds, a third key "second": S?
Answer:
{"hour": 8, "minute": 26}
